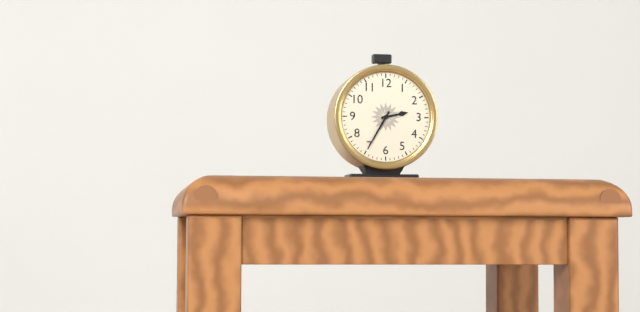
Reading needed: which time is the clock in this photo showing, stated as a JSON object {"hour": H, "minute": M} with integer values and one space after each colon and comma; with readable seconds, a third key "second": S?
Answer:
{"hour": 2, "minute": 35}
